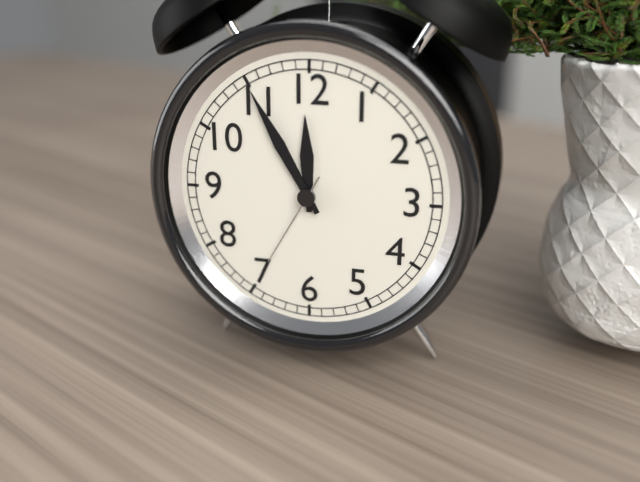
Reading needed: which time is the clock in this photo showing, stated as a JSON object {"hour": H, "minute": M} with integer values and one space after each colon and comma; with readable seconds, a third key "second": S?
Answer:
{"hour": 11, "minute": 55, "second": 35}
